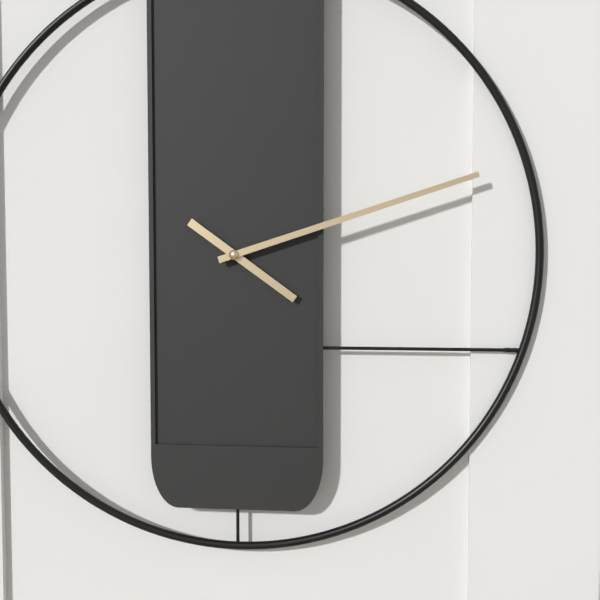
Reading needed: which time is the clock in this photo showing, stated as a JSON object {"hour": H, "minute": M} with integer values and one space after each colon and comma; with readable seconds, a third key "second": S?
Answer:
{"hour": 4, "minute": 12}
